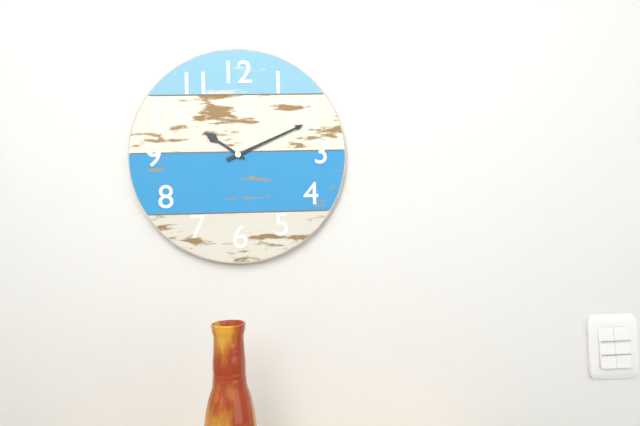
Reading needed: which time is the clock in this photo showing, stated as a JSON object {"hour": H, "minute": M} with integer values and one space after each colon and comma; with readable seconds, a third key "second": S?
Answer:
{"hour": 10, "minute": 11}
